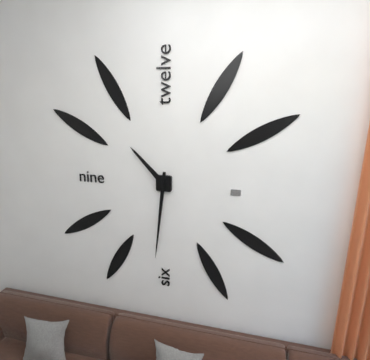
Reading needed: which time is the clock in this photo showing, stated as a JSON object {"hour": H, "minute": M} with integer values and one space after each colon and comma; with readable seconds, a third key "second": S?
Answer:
{"hour": 10, "minute": 31}
